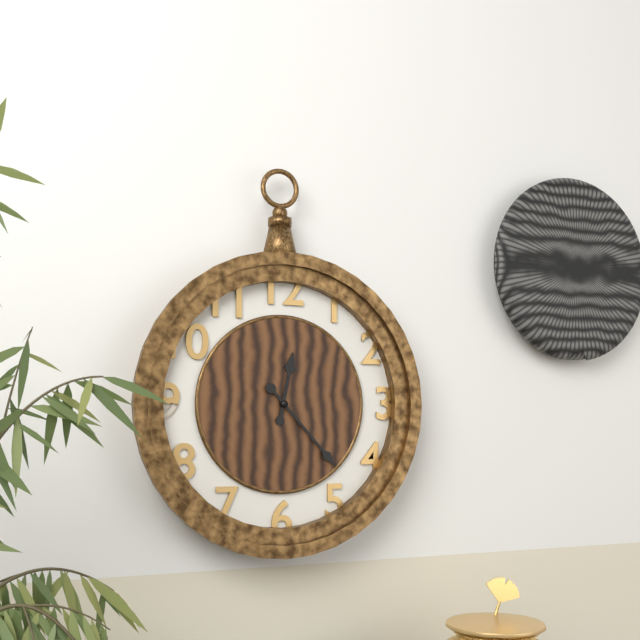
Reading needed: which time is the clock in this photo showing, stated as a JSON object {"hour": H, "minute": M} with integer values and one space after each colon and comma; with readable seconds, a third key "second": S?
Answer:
{"hour": 12, "minute": 23}
